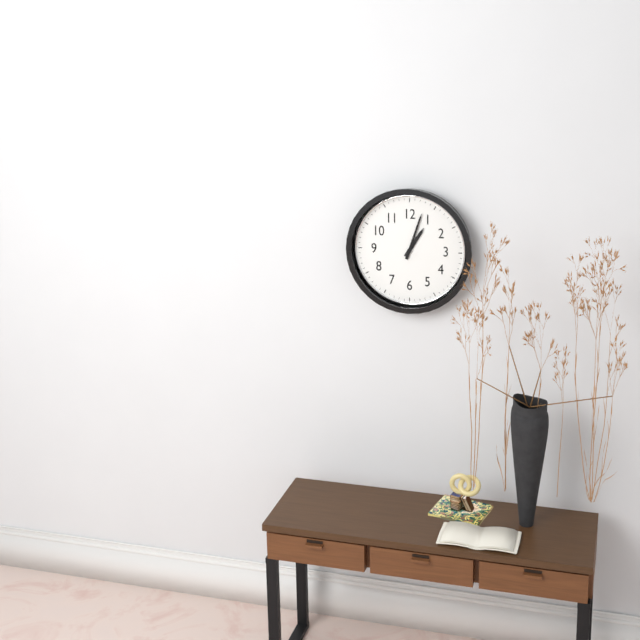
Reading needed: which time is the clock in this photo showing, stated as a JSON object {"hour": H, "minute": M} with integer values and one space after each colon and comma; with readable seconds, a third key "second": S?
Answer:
{"hour": 1, "minute": 3}
